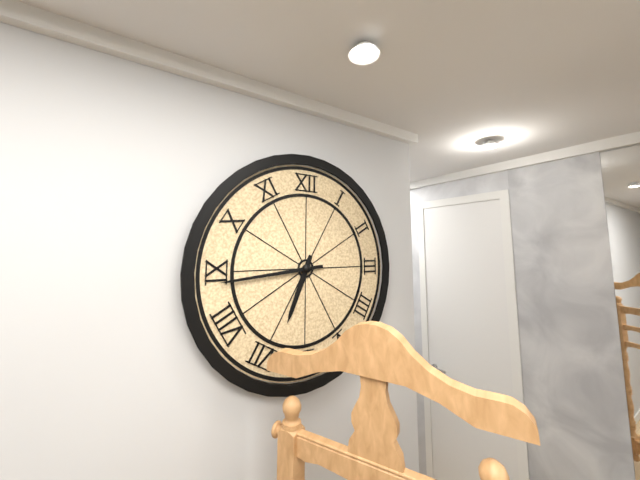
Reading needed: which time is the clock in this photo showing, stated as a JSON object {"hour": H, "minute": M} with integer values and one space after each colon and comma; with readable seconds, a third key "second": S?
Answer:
{"hour": 6, "minute": 44}
